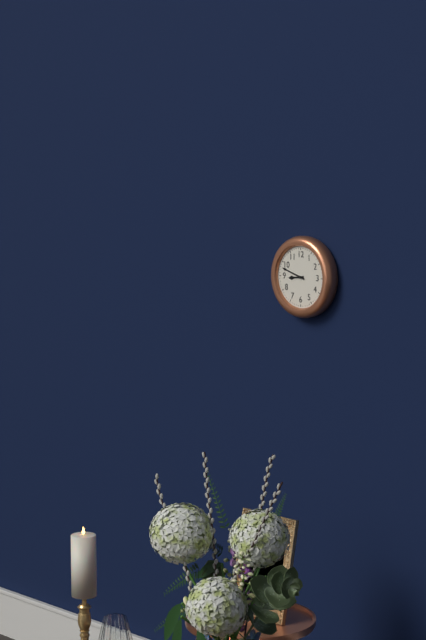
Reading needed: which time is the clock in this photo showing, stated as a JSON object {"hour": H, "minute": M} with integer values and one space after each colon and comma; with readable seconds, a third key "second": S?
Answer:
{"hour": 8, "minute": 48}
